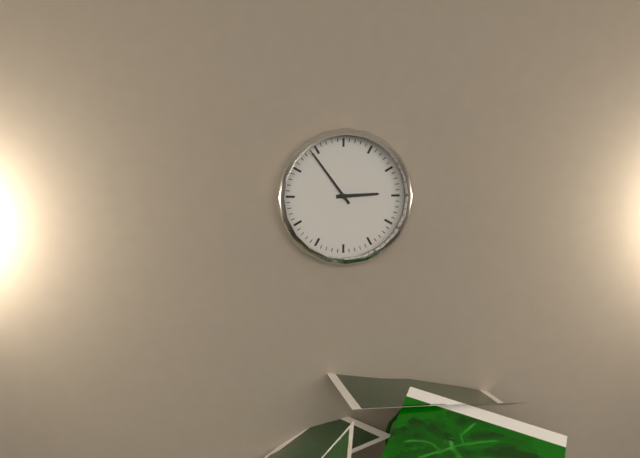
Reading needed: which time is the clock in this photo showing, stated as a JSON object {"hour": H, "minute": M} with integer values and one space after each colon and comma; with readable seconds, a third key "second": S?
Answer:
{"hour": 2, "minute": 54}
